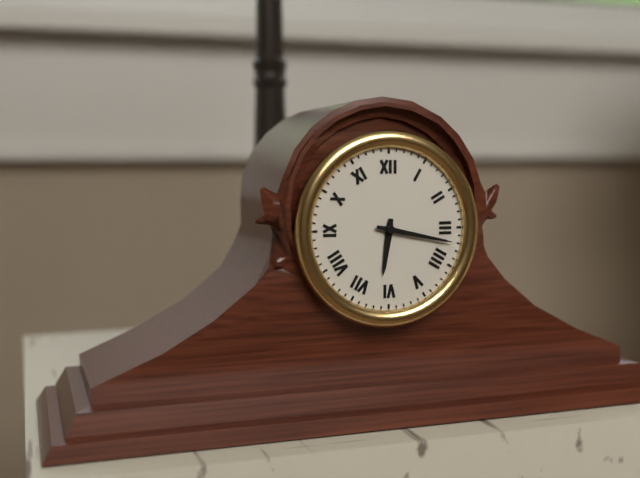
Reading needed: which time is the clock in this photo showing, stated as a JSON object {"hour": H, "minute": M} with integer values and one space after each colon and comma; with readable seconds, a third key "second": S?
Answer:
{"hour": 6, "minute": 17}
